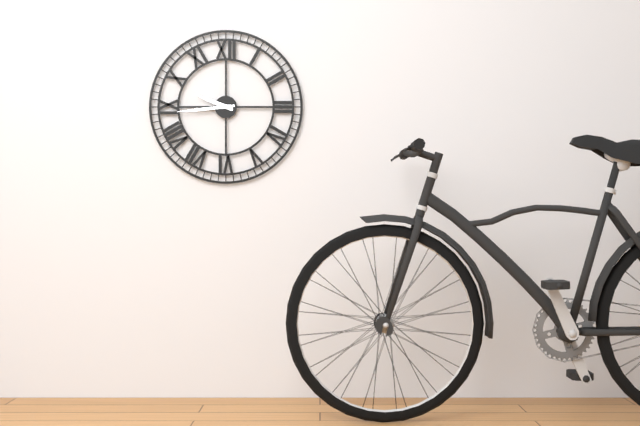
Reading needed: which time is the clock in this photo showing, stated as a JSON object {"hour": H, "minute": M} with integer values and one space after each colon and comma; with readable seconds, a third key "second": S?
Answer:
{"hour": 9, "minute": 44}
